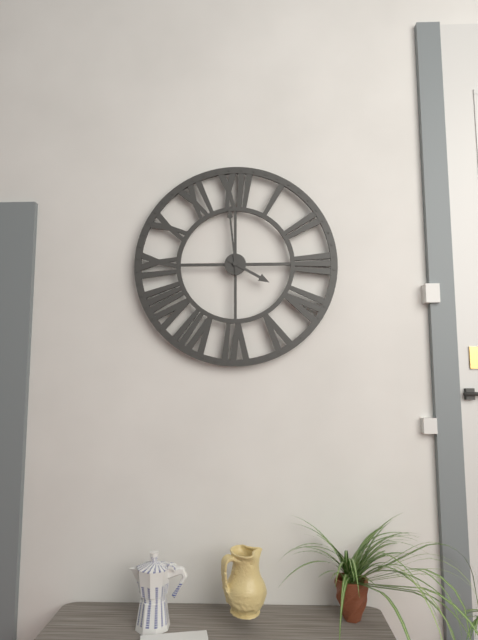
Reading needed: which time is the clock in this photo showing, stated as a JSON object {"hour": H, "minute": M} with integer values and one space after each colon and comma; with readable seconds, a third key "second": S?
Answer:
{"hour": 3, "minute": 59}
